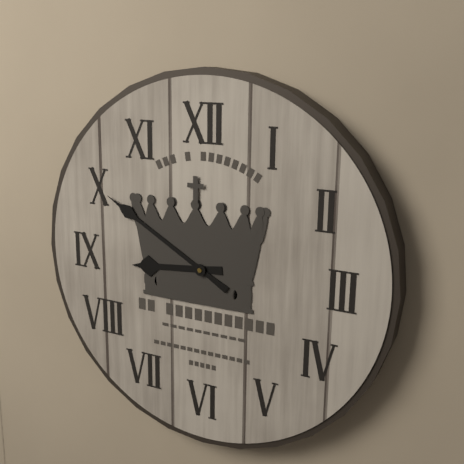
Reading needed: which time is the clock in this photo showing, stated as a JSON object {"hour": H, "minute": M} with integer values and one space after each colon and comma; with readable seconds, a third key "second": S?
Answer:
{"hour": 8, "minute": 50}
